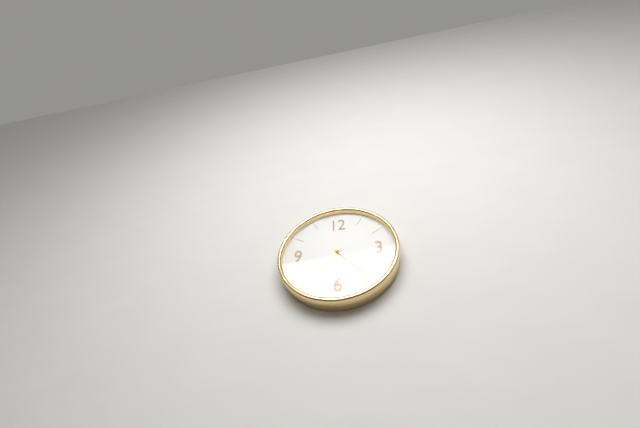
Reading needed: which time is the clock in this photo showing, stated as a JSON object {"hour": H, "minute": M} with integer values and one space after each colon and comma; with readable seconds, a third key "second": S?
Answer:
{"hour": 7, "minute": 23}
